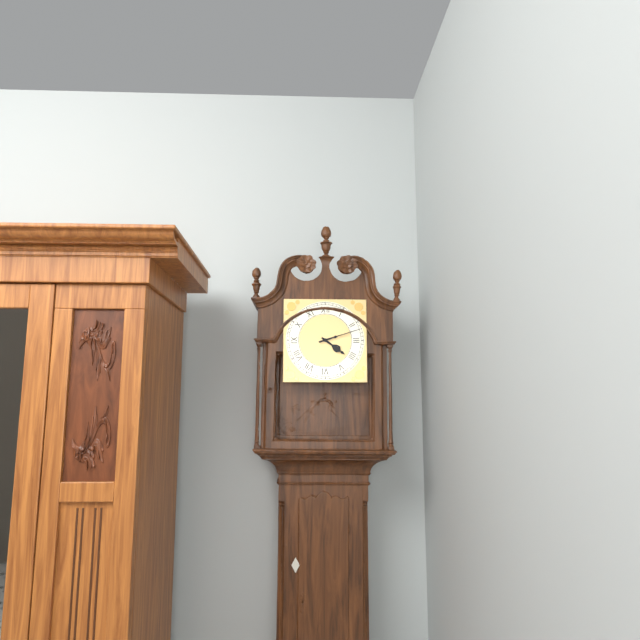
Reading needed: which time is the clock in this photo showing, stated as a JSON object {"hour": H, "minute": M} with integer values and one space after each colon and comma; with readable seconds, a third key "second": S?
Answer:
{"hour": 4, "minute": 12}
